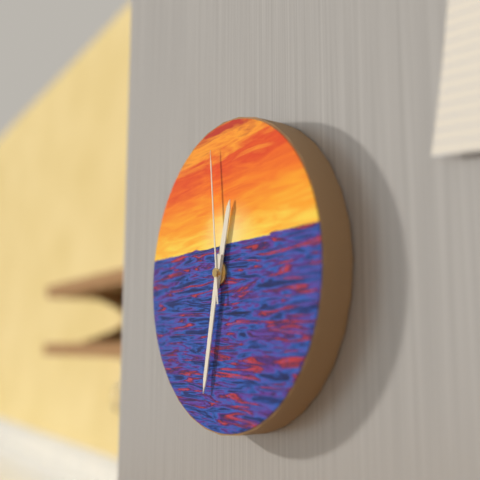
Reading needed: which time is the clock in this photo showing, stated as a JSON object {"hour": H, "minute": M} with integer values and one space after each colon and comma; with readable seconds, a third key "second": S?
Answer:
{"hour": 12, "minute": 32, "second": 59}
